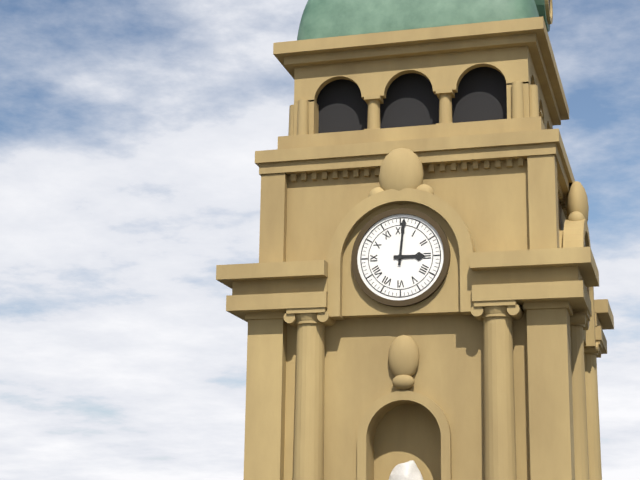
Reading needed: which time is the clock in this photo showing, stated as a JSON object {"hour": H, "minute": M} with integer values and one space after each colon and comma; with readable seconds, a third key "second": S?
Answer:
{"hour": 3, "minute": 1}
